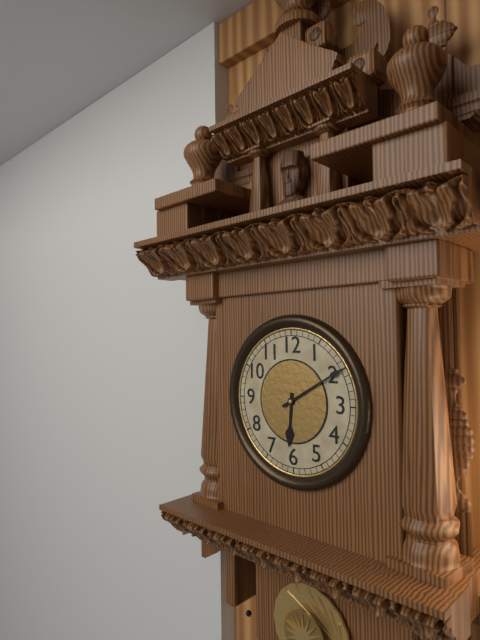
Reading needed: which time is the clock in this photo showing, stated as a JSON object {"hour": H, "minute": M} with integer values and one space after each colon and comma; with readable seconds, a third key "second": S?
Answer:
{"hour": 6, "minute": 10}
